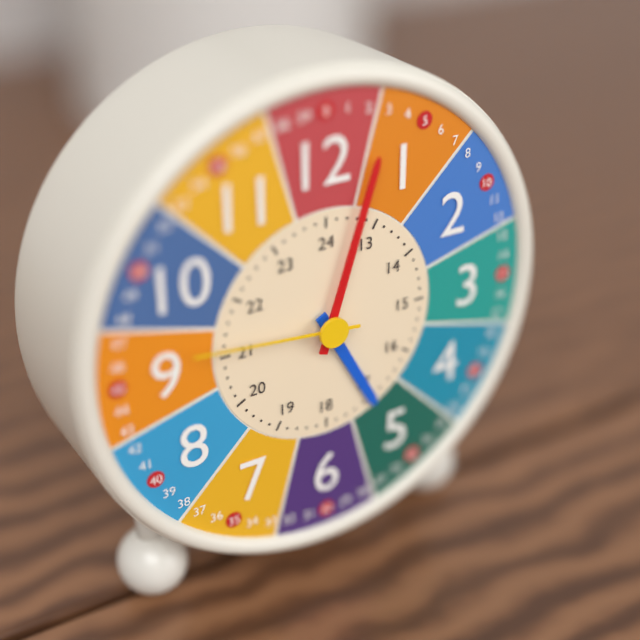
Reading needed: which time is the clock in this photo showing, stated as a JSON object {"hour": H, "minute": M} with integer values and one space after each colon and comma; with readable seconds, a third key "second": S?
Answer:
{"hour": 5, "minute": 3, "second": 46}
